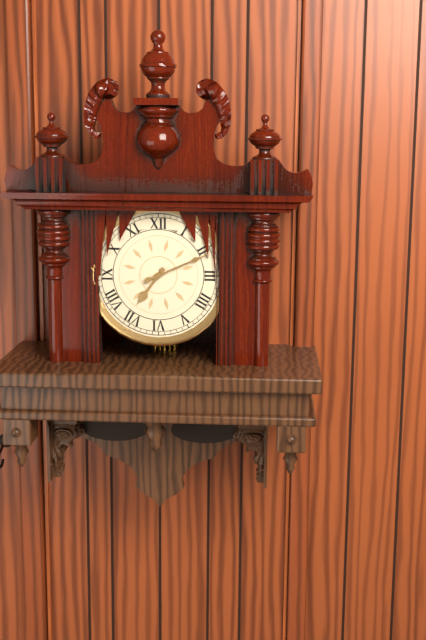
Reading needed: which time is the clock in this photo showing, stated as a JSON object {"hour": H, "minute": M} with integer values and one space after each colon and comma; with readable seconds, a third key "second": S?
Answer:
{"hour": 7, "minute": 11}
